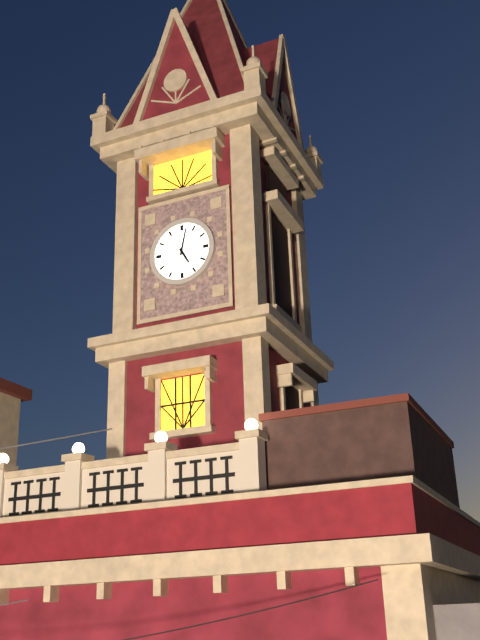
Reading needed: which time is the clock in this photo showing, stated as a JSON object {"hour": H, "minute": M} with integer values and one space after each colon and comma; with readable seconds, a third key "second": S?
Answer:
{"hour": 5, "minute": 2}
